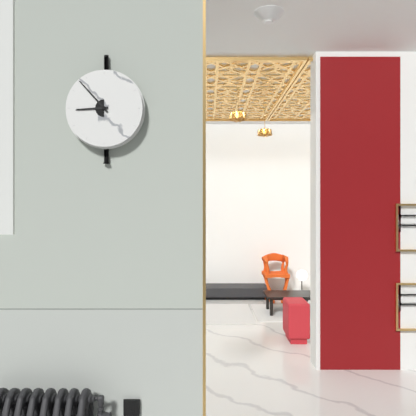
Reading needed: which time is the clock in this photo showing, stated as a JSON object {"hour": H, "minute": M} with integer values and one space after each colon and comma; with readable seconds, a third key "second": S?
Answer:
{"hour": 8, "minute": 53}
